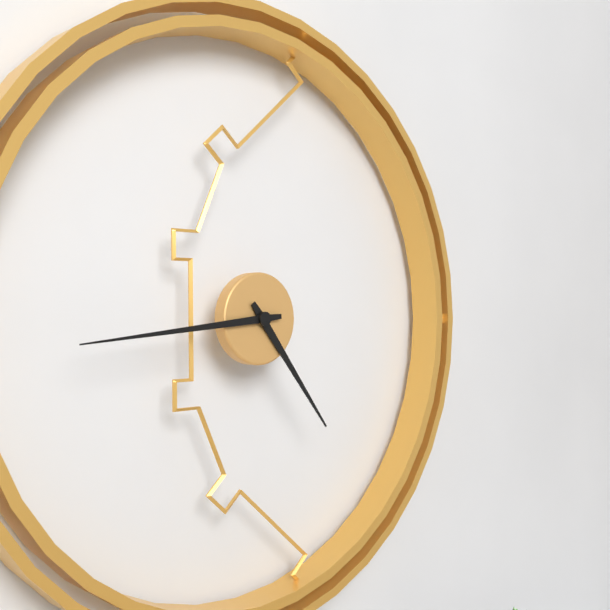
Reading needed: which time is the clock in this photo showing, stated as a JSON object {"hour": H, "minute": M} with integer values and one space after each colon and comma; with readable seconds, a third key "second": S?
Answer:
{"hour": 4, "minute": 44}
